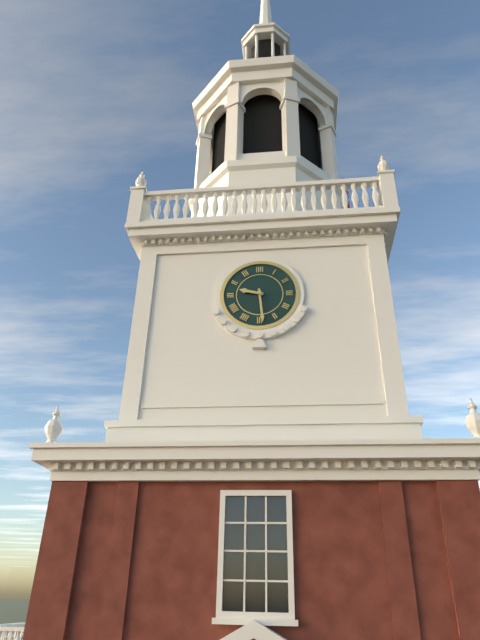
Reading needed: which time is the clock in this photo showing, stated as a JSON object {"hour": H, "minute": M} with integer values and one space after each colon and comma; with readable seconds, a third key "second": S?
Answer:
{"hour": 9, "minute": 29}
